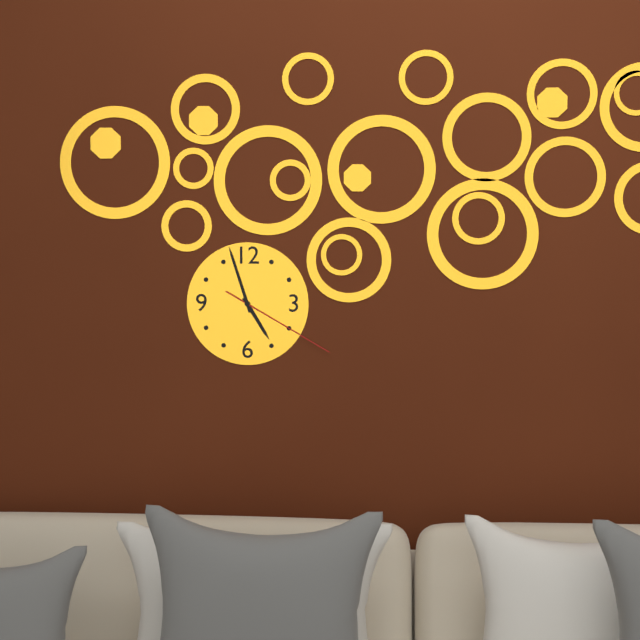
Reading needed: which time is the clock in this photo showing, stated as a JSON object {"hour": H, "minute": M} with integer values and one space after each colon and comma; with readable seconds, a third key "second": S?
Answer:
{"hour": 4, "minute": 57, "second": 20}
